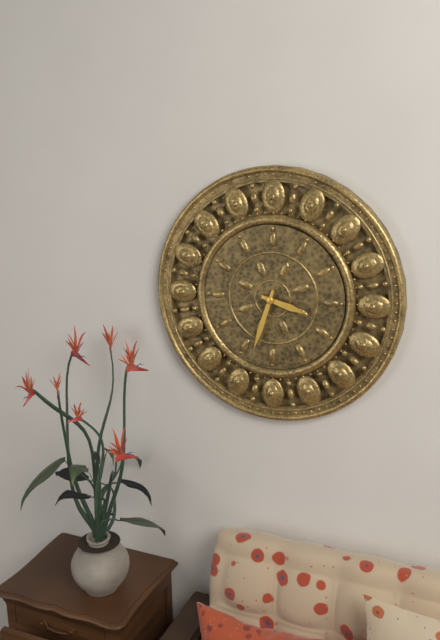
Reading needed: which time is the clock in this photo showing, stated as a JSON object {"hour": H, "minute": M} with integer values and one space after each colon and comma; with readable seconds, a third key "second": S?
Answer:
{"hour": 3, "minute": 33}
